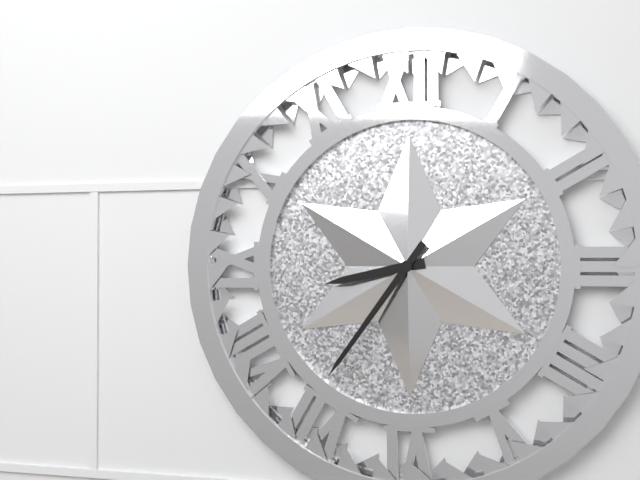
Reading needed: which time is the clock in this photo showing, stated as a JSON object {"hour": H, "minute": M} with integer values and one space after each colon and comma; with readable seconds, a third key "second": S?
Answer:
{"hour": 8, "minute": 36}
